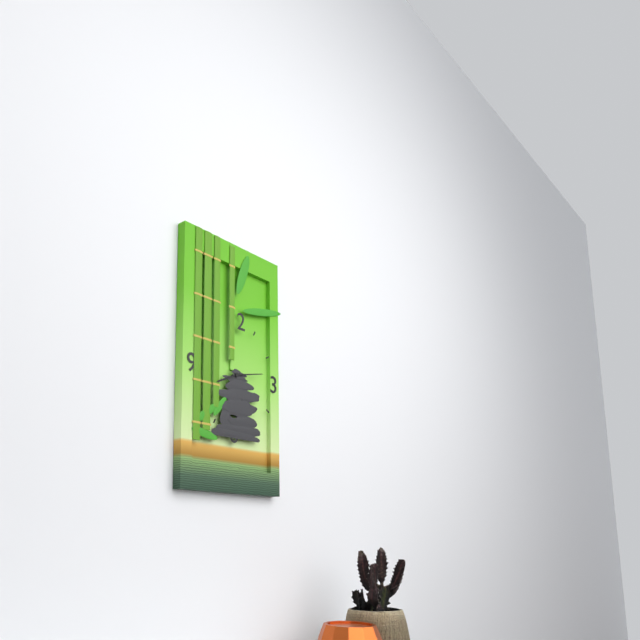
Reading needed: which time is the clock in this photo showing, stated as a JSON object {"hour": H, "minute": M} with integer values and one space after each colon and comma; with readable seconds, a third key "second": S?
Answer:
{"hour": 8, "minute": 13}
